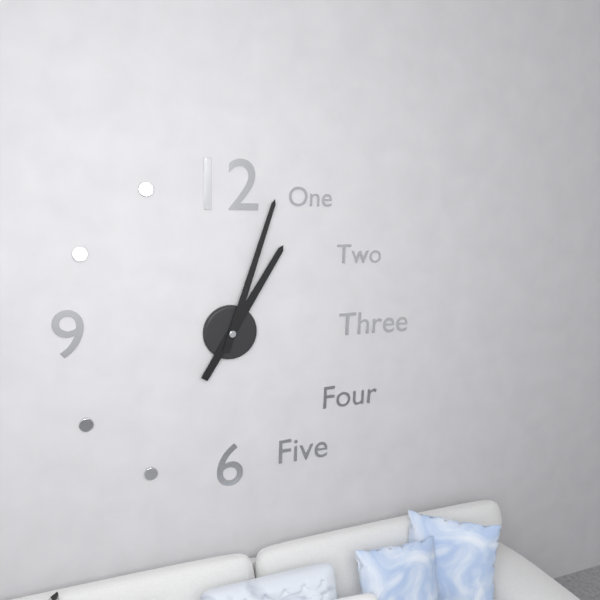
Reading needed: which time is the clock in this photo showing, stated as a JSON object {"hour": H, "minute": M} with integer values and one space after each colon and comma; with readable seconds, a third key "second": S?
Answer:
{"hour": 1, "minute": 3}
